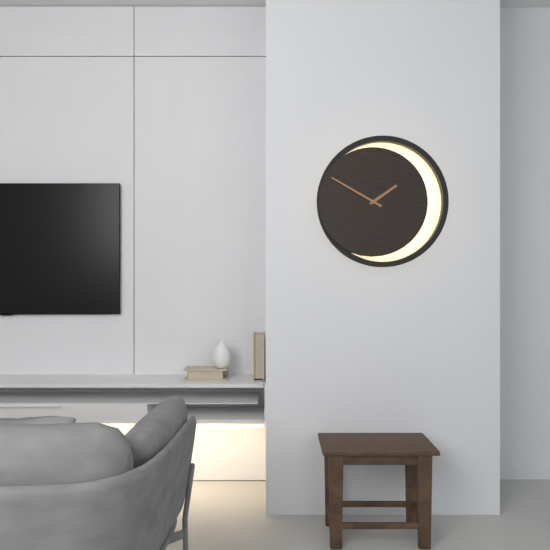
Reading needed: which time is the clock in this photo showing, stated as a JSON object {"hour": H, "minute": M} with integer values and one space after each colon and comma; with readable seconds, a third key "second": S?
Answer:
{"hour": 1, "minute": 50}
